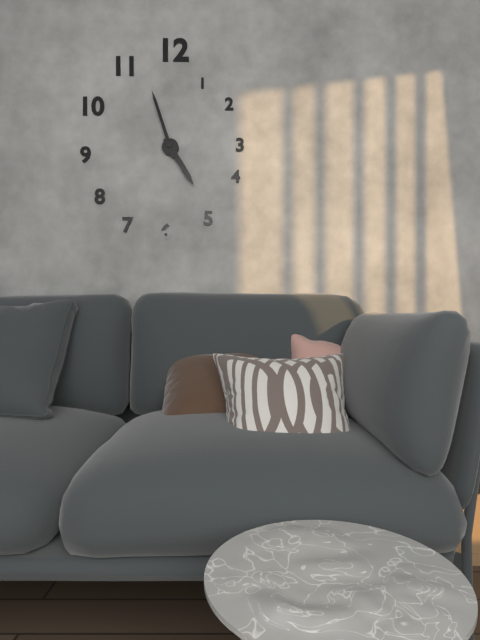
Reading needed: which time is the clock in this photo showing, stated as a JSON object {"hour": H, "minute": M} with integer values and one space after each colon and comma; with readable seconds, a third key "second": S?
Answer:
{"hour": 4, "minute": 57}
